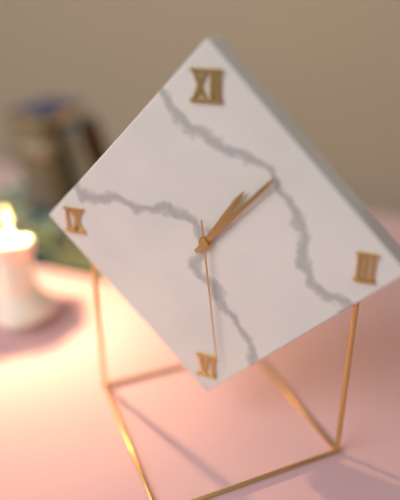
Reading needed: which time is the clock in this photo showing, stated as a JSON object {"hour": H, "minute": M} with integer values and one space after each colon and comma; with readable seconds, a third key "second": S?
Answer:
{"hour": 1, "minute": 7, "second": 29}
